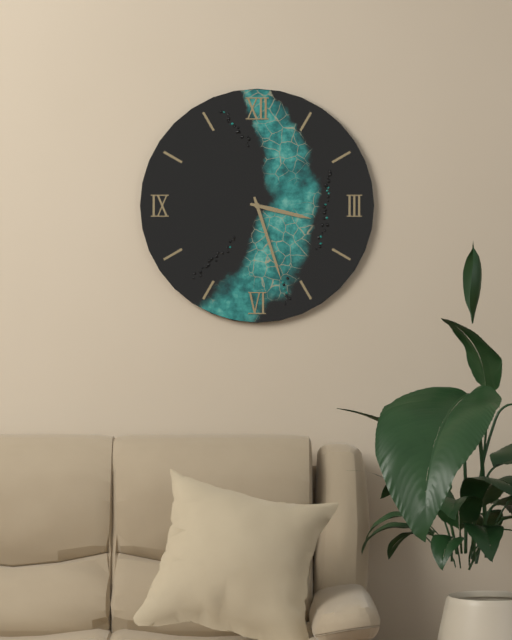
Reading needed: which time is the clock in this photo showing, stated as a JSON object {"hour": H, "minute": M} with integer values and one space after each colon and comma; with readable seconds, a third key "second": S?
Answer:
{"hour": 3, "minute": 27}
